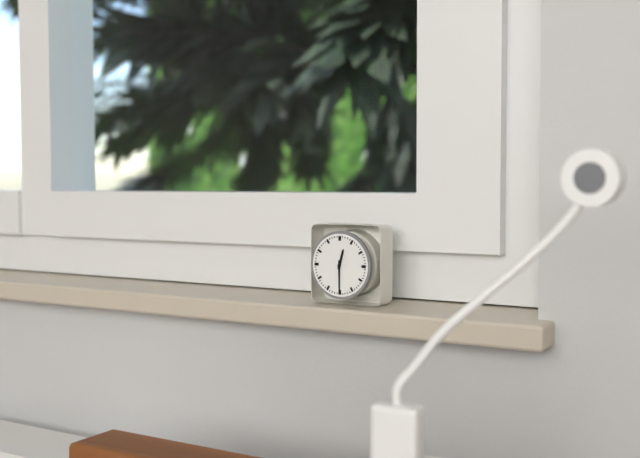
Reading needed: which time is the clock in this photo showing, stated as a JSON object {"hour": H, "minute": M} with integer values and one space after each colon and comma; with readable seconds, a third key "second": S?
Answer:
{"hour": 12, "minute": 30}
